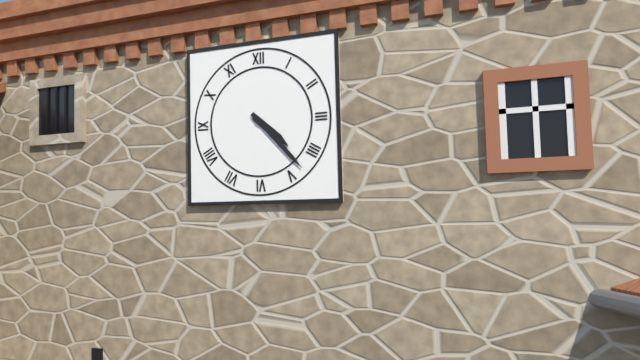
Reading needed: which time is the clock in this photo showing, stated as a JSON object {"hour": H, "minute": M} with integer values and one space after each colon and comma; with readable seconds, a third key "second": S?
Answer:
{"hour": 4, "minute": 23}
